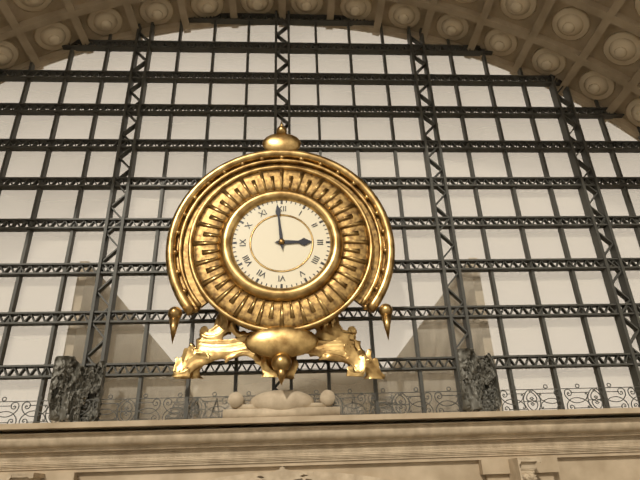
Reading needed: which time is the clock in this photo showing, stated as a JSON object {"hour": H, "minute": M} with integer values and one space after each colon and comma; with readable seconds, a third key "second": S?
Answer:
{"hour": 2, "minute": 59}
